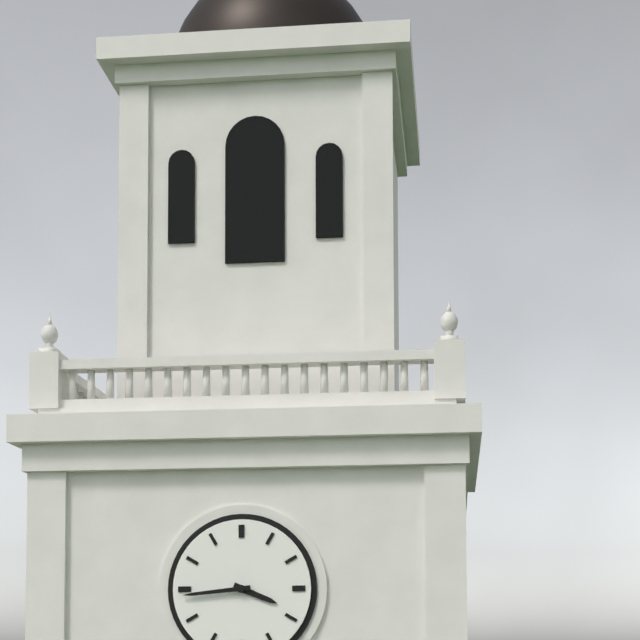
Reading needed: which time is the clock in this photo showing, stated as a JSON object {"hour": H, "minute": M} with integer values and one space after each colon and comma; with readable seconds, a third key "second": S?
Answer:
{"hour": 3, "minute": 44}
